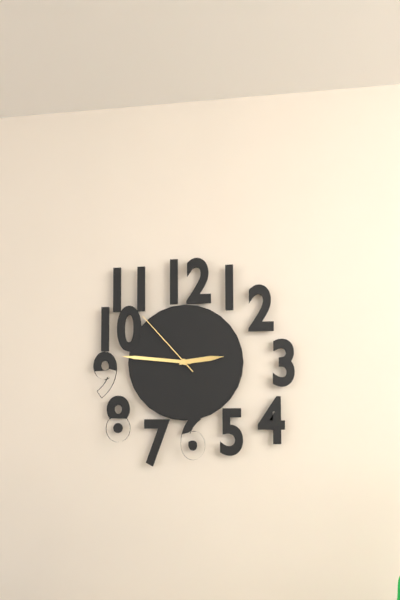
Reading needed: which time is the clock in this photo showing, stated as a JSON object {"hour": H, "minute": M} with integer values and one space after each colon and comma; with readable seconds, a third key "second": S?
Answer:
{"hour": 2, "minute": 46, "second": 53}
